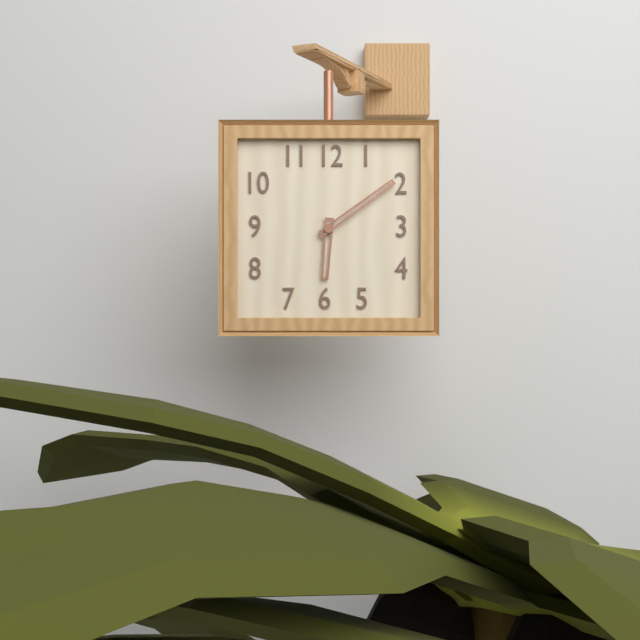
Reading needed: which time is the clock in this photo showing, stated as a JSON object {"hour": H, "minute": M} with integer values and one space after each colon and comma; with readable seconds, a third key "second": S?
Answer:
{"hour": 6, "minute": 9}
